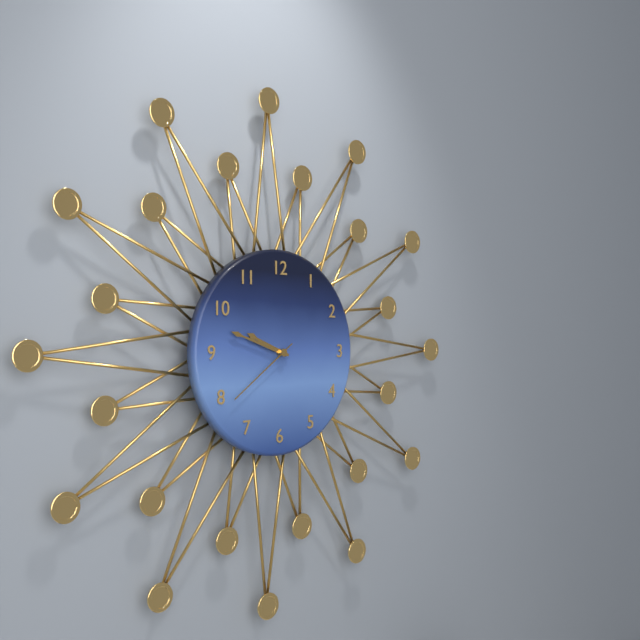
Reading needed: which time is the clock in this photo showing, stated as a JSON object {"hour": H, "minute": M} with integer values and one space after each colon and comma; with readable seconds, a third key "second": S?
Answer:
{"hour": 9, "minute": 48, "second": 39}
